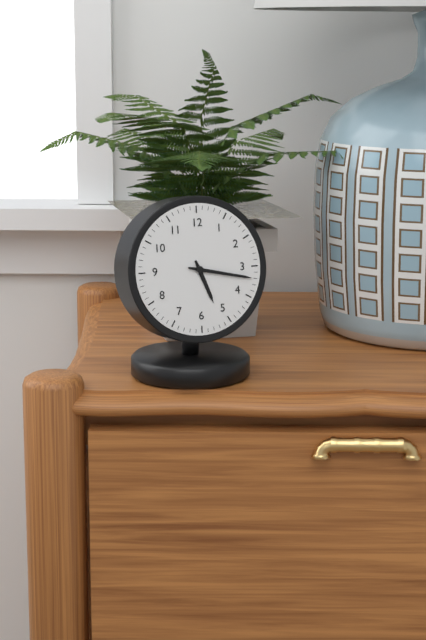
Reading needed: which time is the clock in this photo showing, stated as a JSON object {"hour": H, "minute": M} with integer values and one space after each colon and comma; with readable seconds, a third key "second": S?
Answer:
{"hour": 5, "minute": 17}
